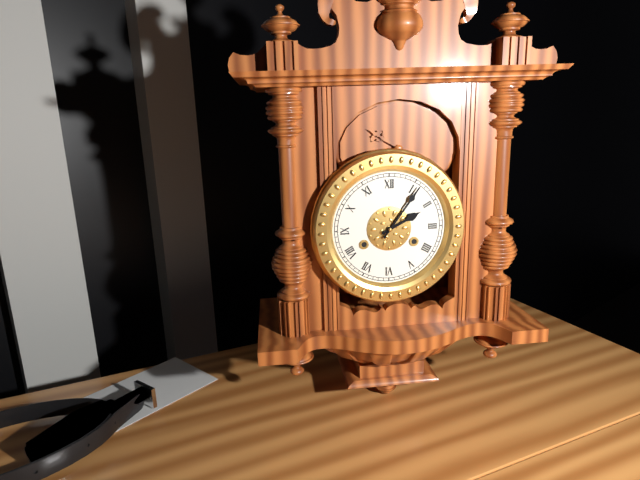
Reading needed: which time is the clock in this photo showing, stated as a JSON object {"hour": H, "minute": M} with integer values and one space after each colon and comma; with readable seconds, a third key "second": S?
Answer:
{"hour": 2, "minute": 6}
